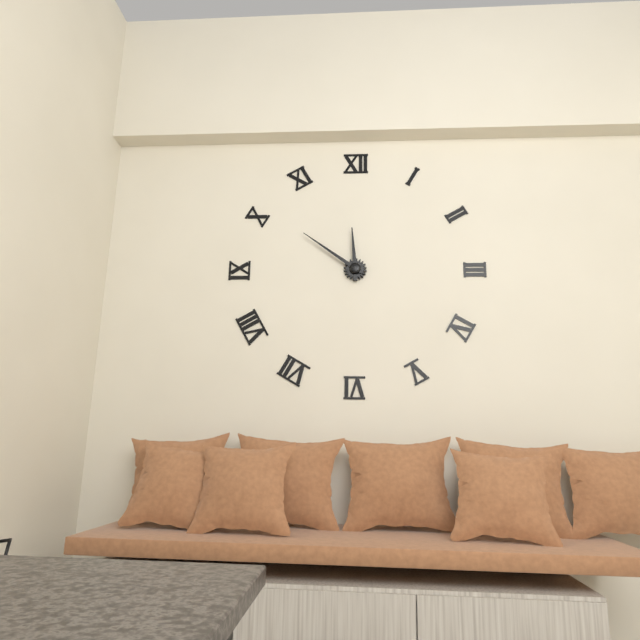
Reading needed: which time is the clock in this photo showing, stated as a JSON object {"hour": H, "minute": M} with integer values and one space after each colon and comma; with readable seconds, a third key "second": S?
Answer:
{"hour": 11, "minute": 51}
